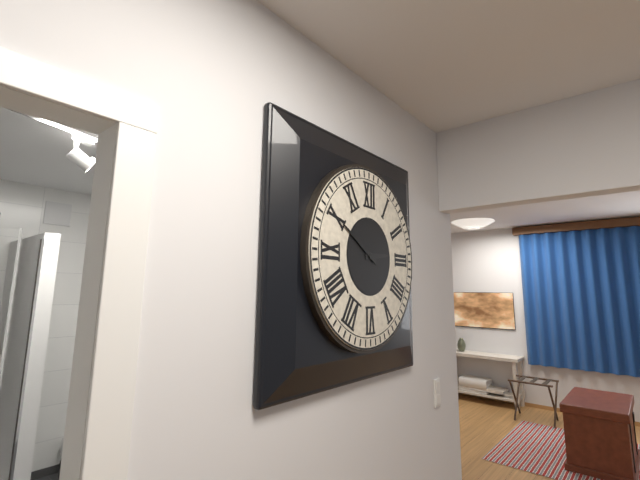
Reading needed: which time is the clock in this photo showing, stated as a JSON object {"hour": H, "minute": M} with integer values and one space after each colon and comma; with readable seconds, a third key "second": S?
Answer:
{"hour": 2, "minute": 50}
